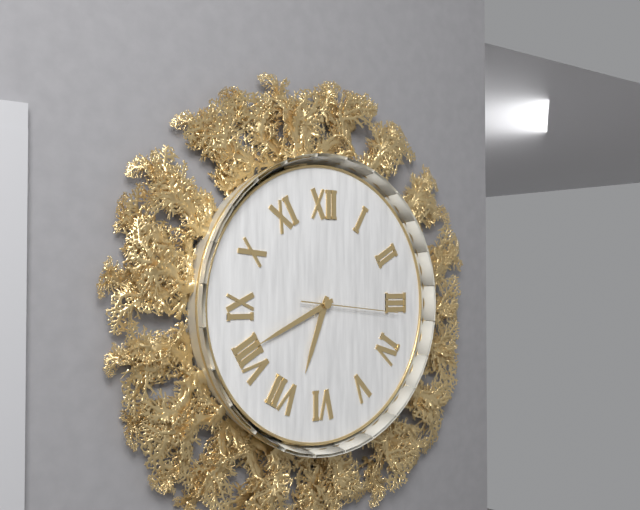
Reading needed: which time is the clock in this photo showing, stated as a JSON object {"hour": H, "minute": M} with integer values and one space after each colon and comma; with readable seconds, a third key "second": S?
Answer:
{"hour": 6, "minute": 41, "second": 16}
